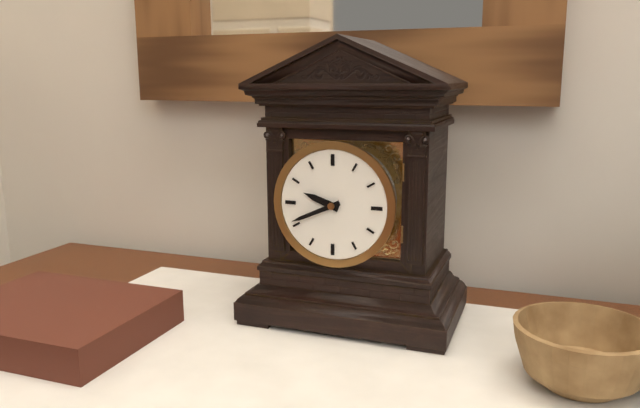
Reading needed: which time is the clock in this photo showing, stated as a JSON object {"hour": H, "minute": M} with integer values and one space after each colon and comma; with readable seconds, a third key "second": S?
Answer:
{"hour": 9, "minute": 41}
